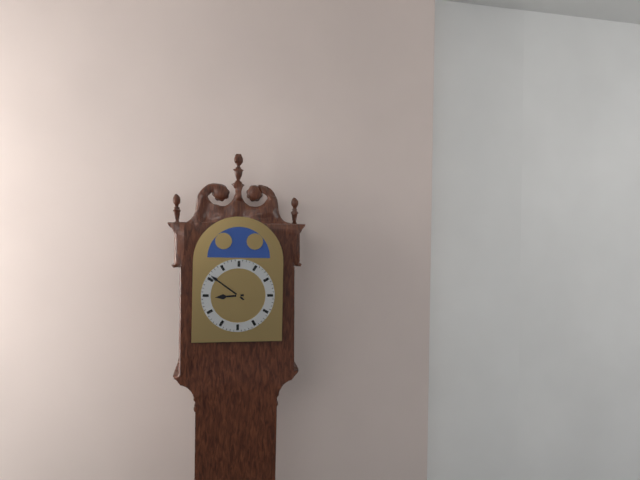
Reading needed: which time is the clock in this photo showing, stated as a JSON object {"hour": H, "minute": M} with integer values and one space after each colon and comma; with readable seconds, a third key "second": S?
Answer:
{"hour": 8, "minute": 51}
